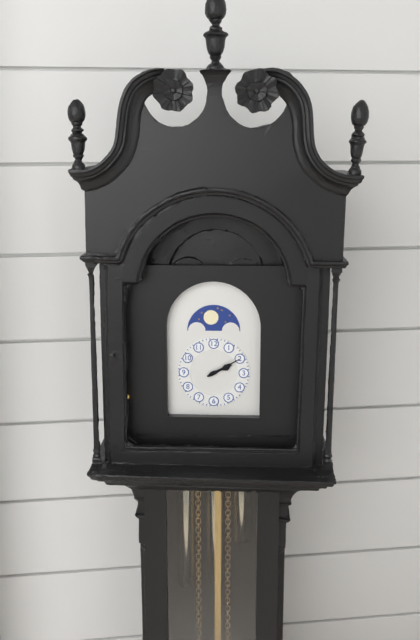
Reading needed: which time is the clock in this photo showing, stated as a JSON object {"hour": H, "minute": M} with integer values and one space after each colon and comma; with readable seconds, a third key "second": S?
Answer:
{"hour": 2, "minute": 10}
